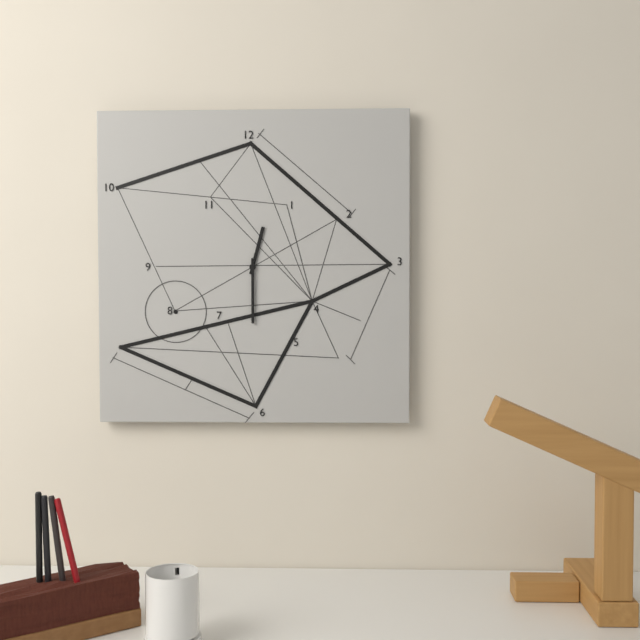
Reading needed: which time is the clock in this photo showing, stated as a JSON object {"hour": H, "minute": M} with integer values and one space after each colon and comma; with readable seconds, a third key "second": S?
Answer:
{"hour": 12, "minute": 30}
